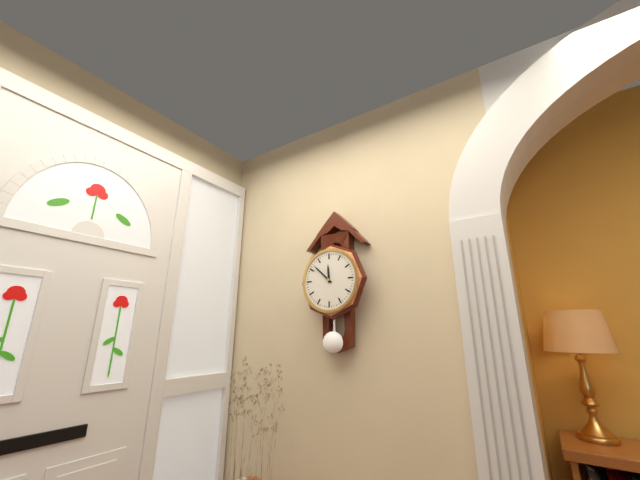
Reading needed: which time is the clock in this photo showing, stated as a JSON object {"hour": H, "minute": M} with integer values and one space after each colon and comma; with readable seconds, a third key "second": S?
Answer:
{"hour": 11, "minute": 52}
